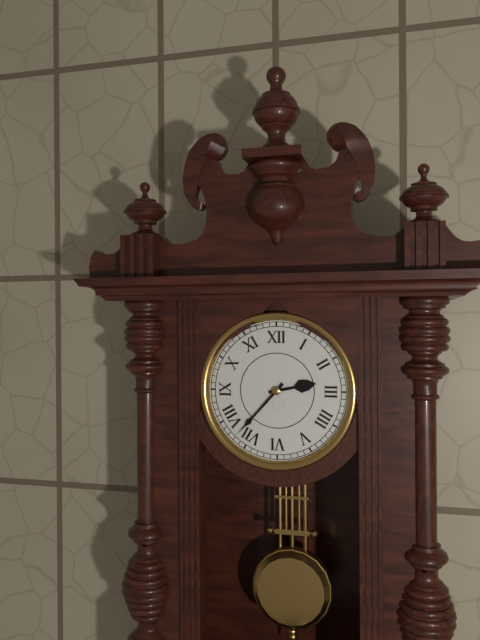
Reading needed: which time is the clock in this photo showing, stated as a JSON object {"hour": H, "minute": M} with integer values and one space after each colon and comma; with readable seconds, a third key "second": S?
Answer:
{"hour": 2, "minute": 37}
